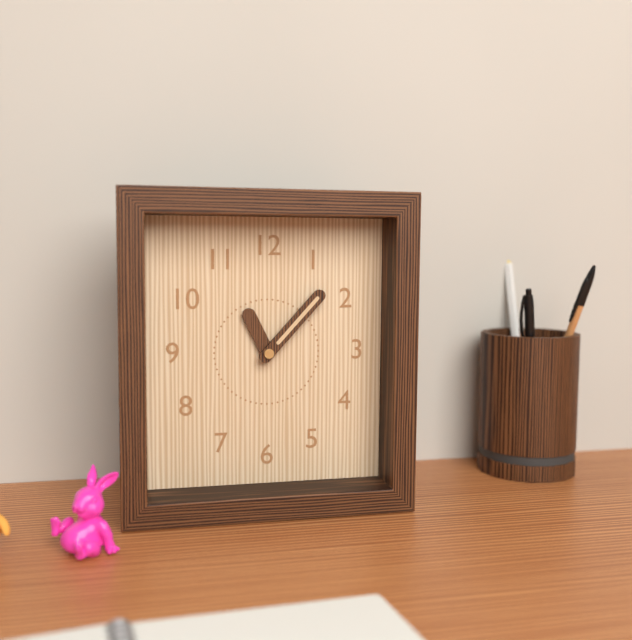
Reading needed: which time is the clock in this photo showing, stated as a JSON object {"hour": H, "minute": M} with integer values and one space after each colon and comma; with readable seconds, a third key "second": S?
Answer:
{"hour": 11, "minute": 7}
